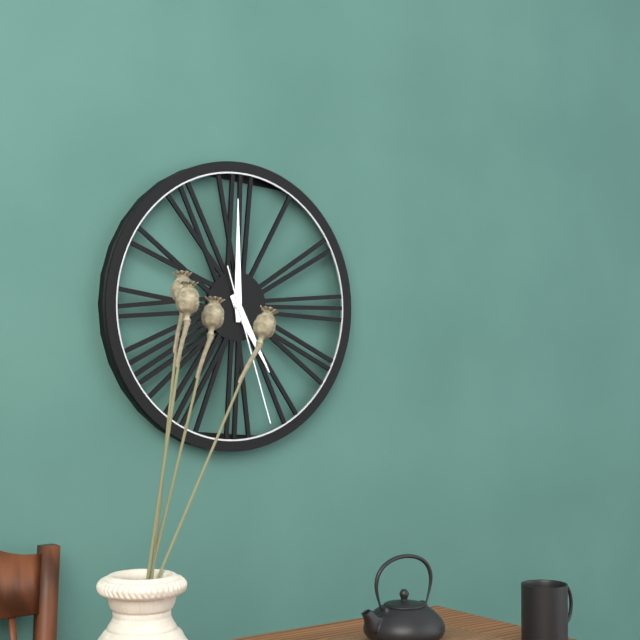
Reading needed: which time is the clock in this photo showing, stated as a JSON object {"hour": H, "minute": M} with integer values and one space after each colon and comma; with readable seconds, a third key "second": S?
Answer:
{"hour": 5, "minute": 0, "second": 27}
